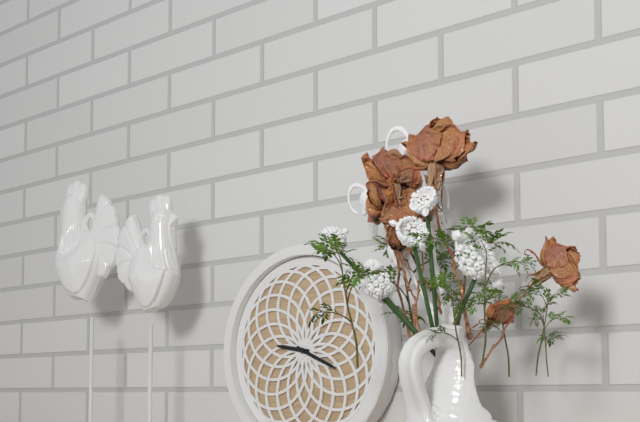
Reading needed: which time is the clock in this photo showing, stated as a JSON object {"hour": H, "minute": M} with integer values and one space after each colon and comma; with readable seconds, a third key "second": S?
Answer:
{"hour": 9, "minute": 19}
